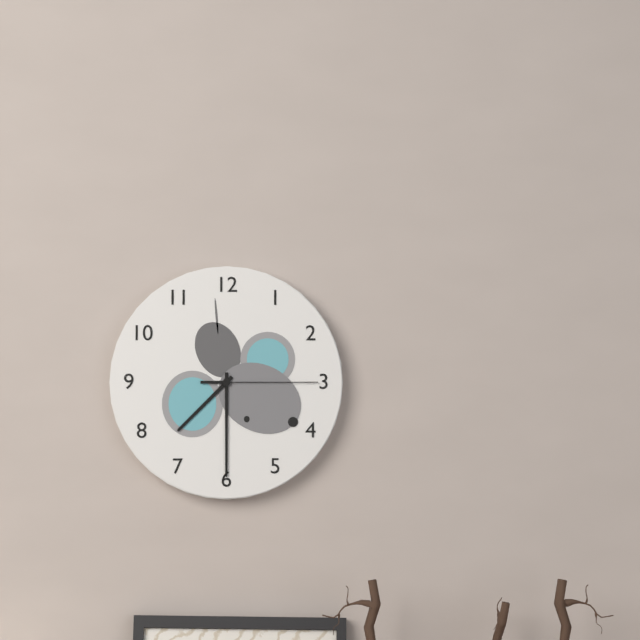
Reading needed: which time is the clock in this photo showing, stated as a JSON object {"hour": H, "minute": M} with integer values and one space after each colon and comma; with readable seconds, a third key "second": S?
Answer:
{"hour": 7, "minute": 30, "second": 15}
